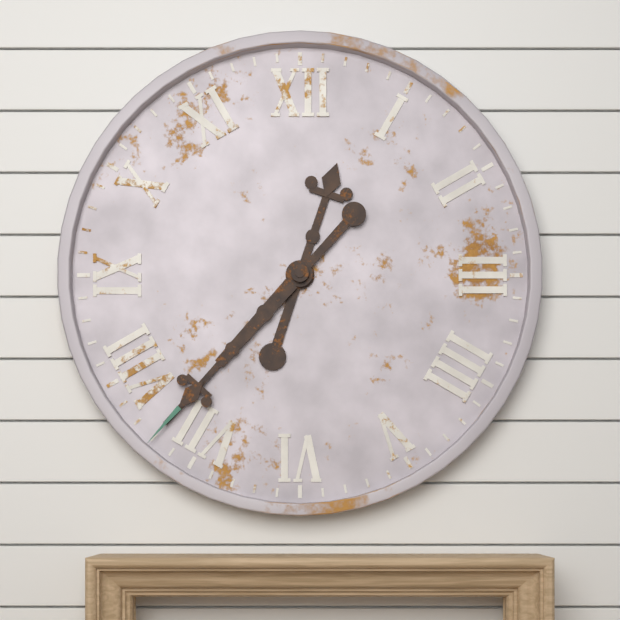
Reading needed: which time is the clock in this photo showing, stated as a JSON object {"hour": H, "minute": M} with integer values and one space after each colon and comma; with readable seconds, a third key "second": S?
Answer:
{"hour": 12, "minute": 37}
